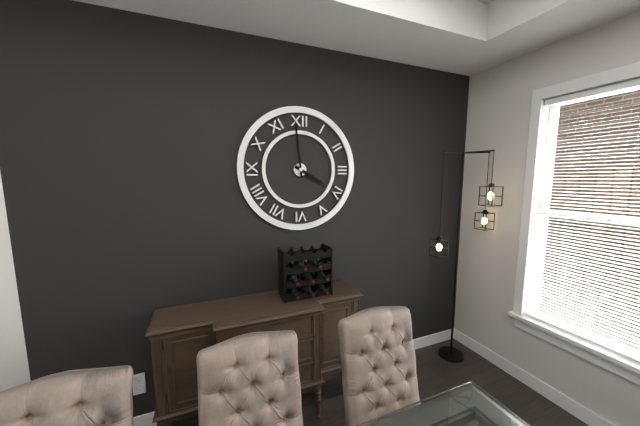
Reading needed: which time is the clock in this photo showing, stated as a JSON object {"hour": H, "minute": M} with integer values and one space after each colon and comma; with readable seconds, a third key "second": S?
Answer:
{"hour": 3, "minute": 59}
